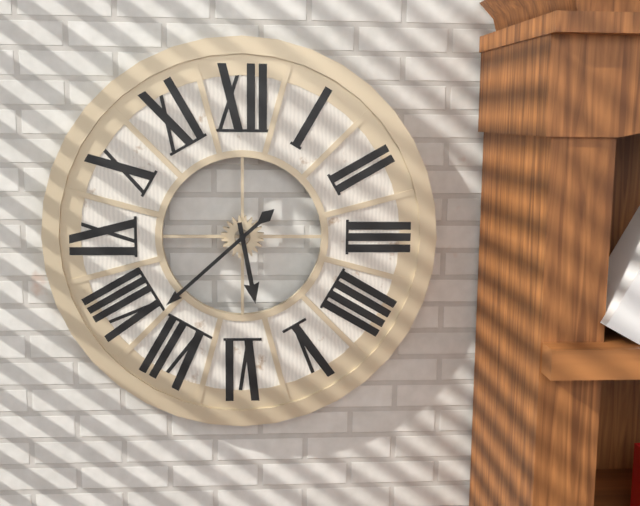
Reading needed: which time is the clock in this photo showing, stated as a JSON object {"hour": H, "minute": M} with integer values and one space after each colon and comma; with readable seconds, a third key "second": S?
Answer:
{"hour": 5, "minute": 38}
